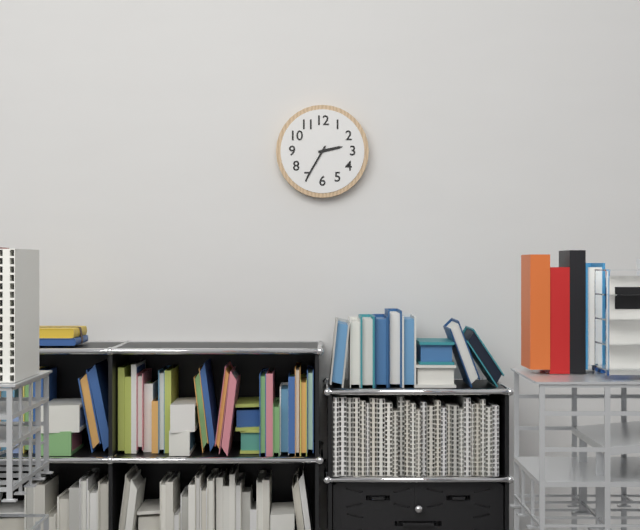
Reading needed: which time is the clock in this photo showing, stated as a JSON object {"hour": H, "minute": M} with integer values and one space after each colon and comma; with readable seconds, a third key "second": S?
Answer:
{"hour": 2, "minute": 35}
